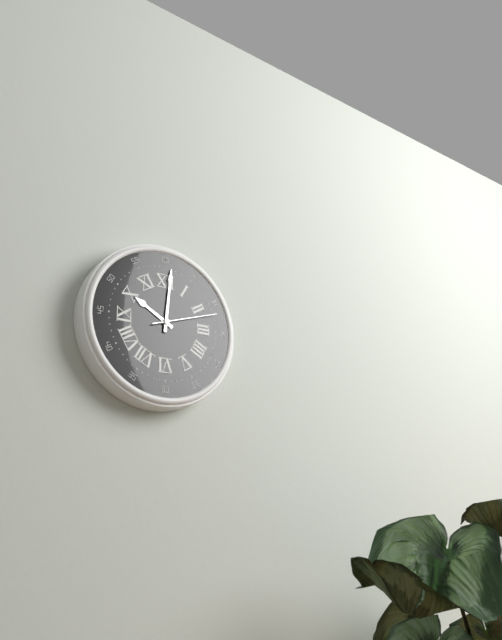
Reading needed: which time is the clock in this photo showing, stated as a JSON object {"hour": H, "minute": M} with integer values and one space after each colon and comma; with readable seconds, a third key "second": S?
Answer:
{"hour": 10, "minute": 1, "second": 12}
